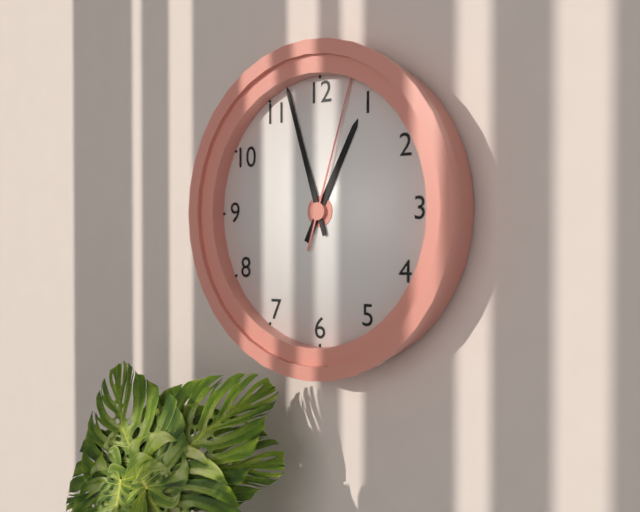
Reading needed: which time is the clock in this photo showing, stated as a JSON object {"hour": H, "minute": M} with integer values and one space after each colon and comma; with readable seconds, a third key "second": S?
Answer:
{"hour": 12, "minute": 57, "second": 3}
